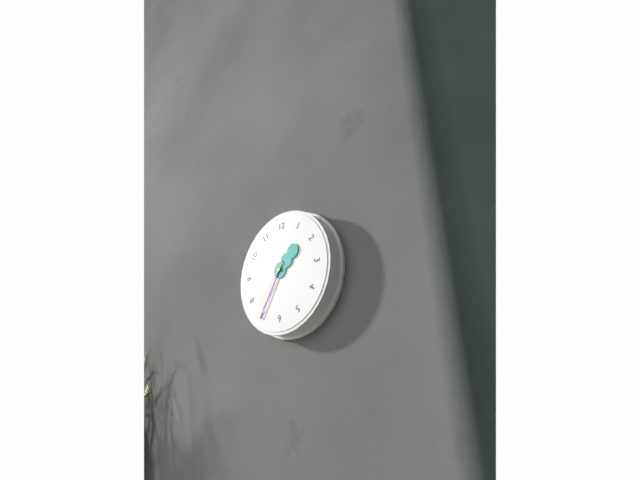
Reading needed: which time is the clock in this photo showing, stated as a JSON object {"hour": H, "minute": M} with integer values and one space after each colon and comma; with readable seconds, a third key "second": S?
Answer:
{"hour": 1, "minute": 35, "second": 37}
